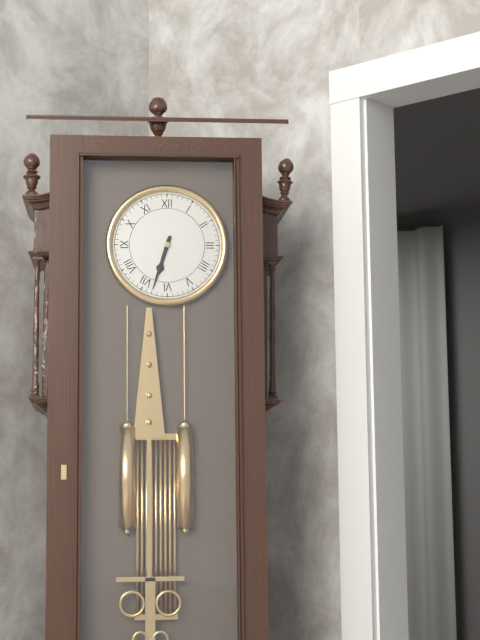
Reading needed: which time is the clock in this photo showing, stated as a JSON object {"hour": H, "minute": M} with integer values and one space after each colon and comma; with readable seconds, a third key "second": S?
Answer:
{"hour": 6, "minute": 33}
